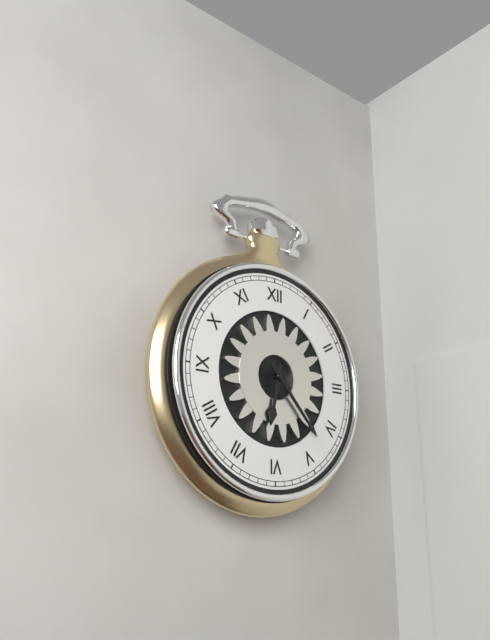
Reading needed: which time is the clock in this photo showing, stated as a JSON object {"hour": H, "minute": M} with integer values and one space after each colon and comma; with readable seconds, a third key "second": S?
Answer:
{"hour": 6, "minute": 23}
